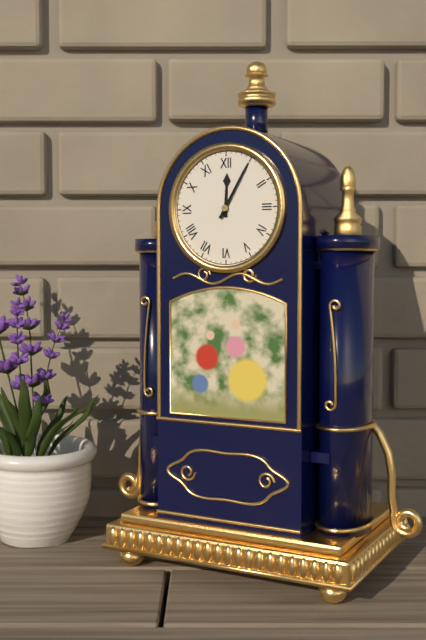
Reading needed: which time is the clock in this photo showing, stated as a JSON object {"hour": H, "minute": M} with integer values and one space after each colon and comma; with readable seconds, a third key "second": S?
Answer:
{"hour": 12, "minute": 5}
